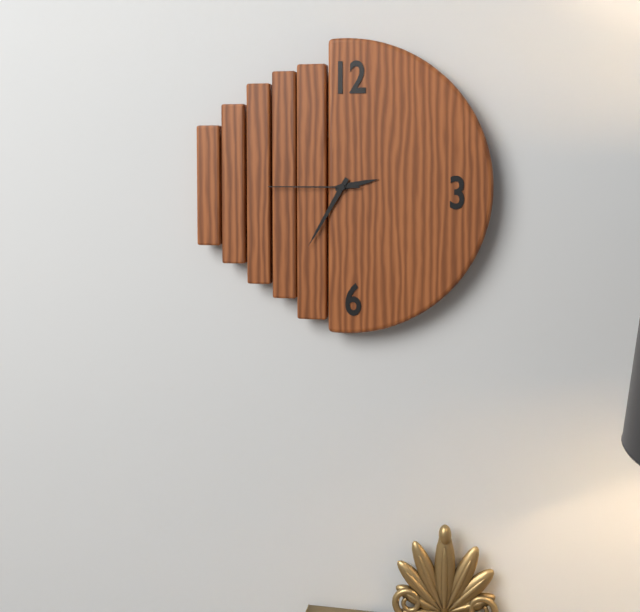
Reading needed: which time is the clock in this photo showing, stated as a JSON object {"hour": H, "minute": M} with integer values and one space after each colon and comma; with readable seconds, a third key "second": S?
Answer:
{"hour": 2, "minute": 35, "second": 45}
